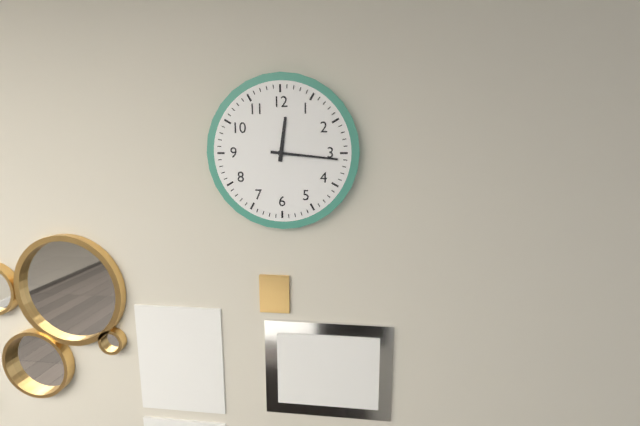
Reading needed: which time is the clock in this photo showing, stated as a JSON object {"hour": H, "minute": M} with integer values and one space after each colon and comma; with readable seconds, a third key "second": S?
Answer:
{"hour": 12, "minute": 16}
